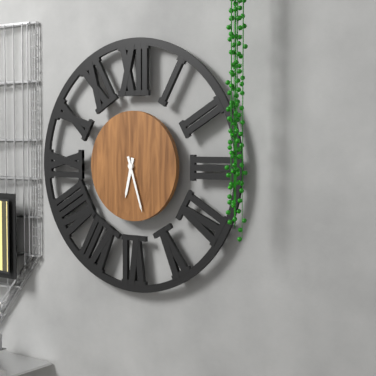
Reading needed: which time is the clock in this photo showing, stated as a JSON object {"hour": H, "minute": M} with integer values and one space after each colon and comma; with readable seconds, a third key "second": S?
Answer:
{"hour": 6, "minute": 27}
